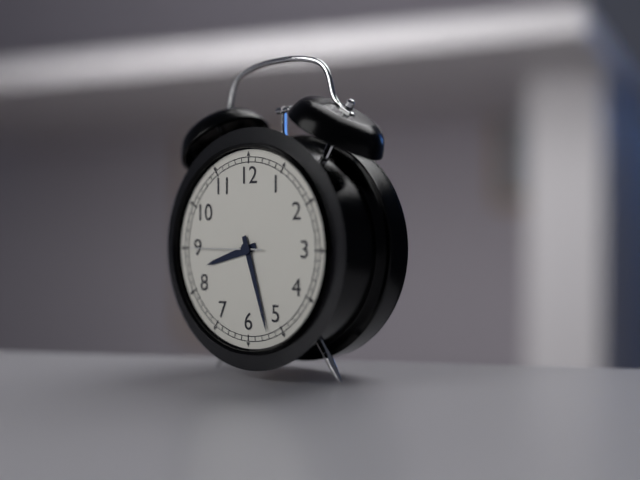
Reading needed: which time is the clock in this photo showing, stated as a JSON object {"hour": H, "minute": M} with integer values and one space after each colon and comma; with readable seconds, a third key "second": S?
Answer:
{"hour": 8, "minute": 27, "second": 45}
